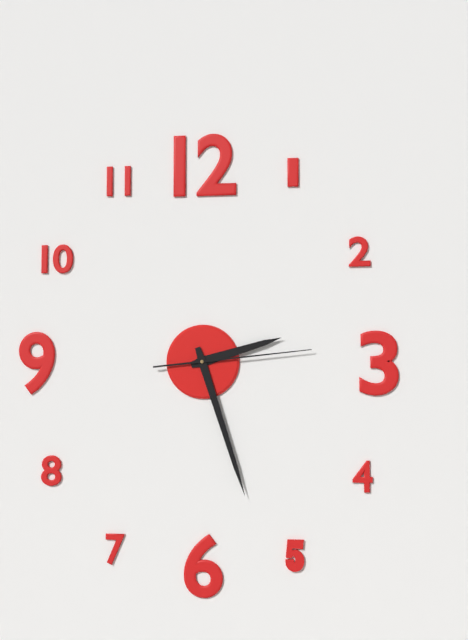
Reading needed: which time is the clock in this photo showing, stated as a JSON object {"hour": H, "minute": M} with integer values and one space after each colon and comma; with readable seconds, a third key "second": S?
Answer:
{"hour": 2, "minute": 27, "second": 14}
